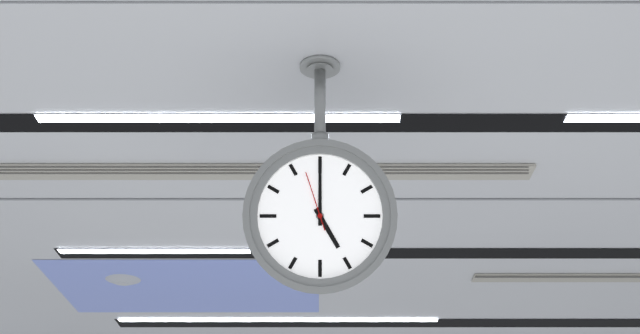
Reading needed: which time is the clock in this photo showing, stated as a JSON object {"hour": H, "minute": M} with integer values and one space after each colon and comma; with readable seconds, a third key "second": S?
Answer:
{"hour": 5, "minute": 0, "second": 57}
